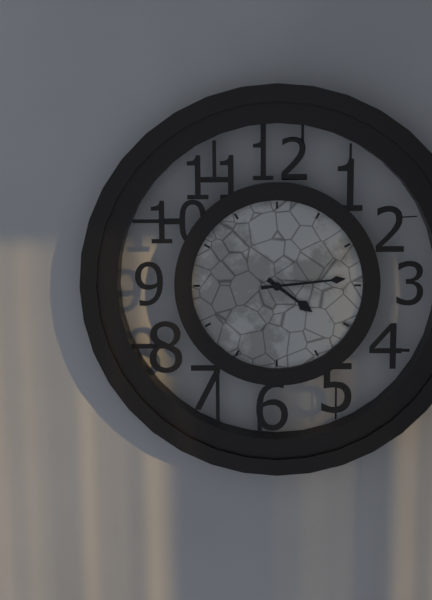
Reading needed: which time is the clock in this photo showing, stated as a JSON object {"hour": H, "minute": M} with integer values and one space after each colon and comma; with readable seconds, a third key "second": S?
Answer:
{"hour": 4, "minute": 14}
